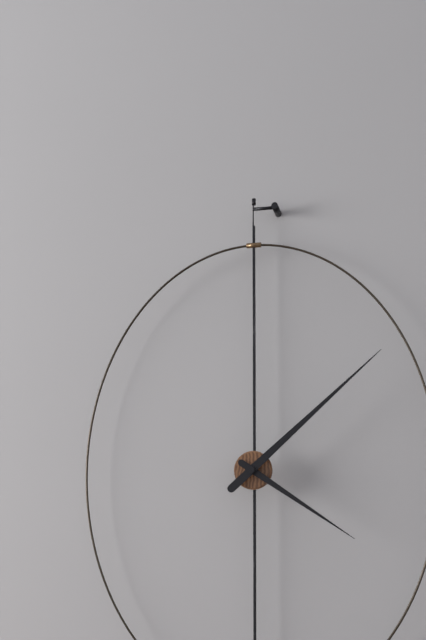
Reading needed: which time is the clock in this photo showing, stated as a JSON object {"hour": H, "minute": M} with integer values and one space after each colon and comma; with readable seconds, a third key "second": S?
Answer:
{"hour": 4, "minute": 8}
